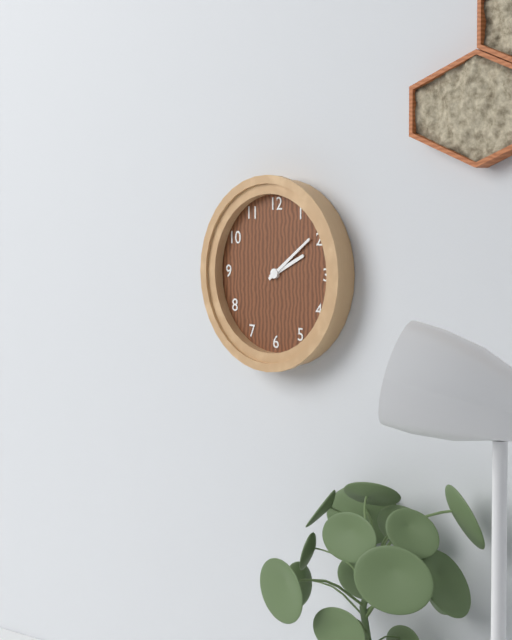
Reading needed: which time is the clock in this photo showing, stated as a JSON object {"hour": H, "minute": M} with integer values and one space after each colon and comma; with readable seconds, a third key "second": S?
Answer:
{"hour": 2, "minute": 9}
